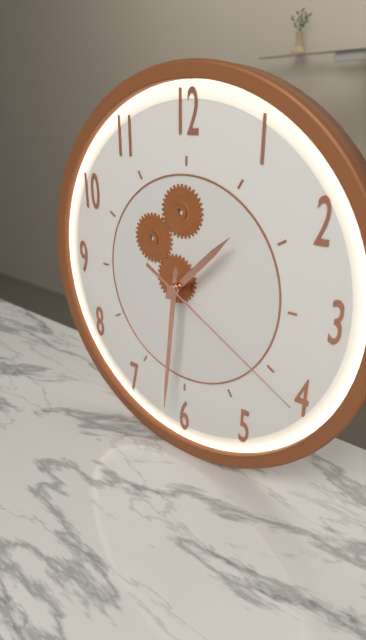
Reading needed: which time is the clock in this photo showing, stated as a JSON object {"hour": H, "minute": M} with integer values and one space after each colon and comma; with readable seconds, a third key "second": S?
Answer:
{"hour": 1, "minute": 31, "second": 20}
